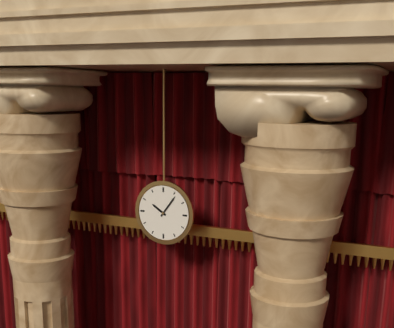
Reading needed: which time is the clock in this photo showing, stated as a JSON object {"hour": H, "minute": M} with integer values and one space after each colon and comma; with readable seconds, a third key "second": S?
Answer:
{"hour": 10, "minute": 6}
